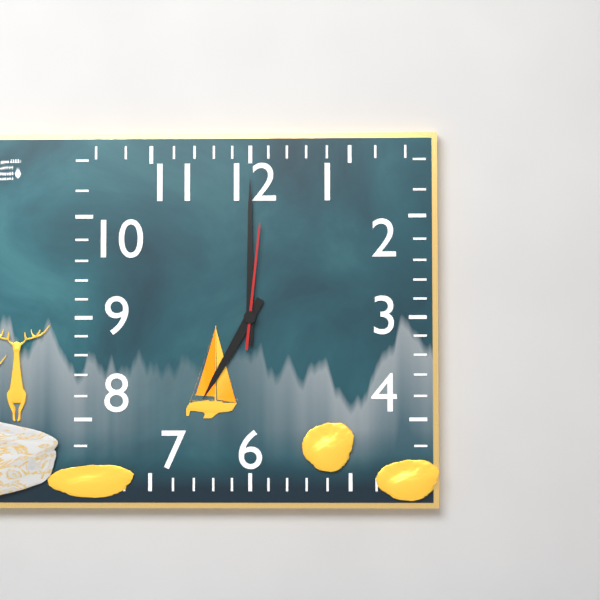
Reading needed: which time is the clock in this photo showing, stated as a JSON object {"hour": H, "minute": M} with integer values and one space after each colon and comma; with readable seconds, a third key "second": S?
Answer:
{"hour": 7, "minute": 0, "second": 1}
